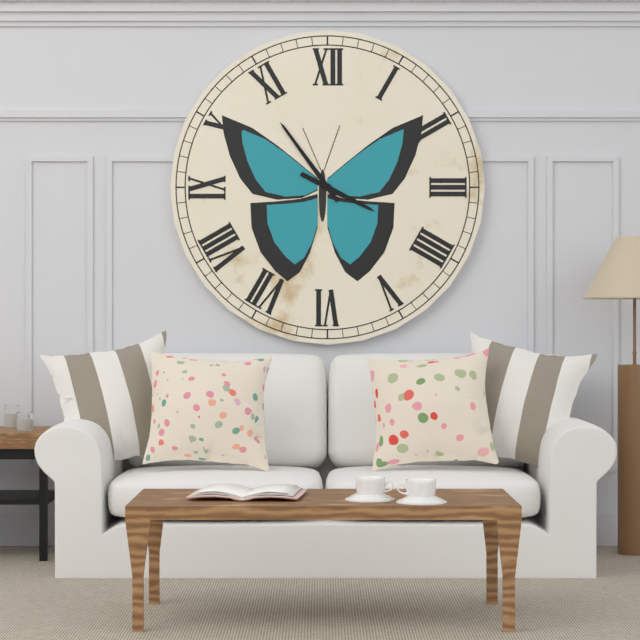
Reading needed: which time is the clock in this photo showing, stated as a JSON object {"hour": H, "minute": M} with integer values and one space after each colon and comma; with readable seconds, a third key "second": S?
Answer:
{"hour": 3, "minute": 54}
